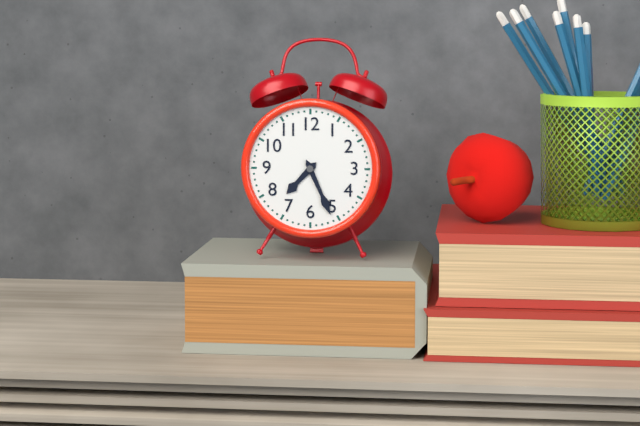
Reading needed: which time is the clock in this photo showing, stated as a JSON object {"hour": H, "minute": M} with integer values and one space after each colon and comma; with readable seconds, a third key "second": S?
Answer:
{"hour": 7, "minute": 26}
